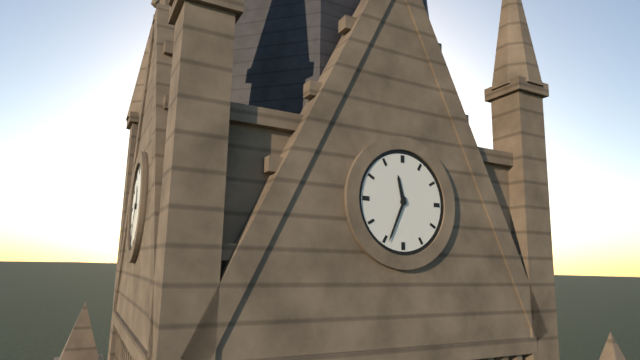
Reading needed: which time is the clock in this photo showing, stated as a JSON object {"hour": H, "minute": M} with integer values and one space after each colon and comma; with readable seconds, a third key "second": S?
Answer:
{"hour": 11, "minute": 34}
